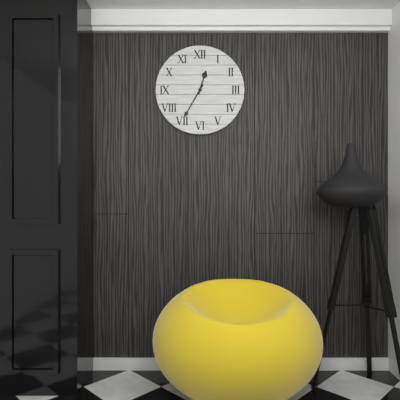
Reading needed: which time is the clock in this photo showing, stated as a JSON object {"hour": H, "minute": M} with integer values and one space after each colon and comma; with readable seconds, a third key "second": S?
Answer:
{"hour": 12, "minute": 35}
